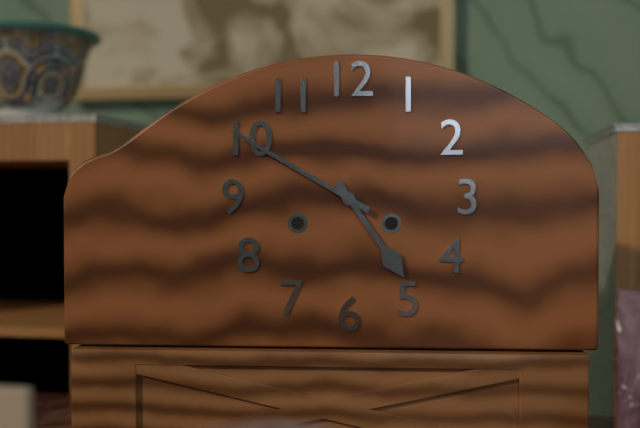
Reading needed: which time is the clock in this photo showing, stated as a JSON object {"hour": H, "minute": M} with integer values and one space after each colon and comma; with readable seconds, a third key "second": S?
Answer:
{"hour": 4, "minute": 50}
